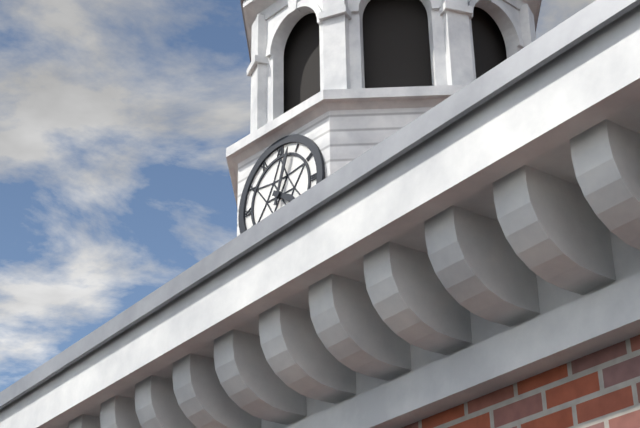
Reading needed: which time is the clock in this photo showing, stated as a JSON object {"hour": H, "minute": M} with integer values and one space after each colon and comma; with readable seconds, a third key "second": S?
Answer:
{"hour": 4, "minute": 3}
